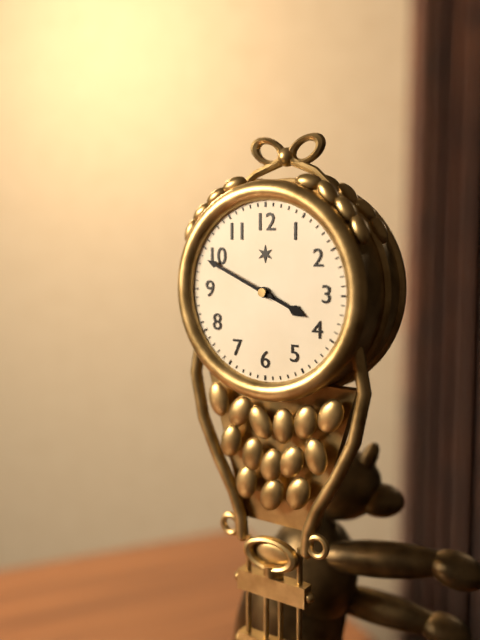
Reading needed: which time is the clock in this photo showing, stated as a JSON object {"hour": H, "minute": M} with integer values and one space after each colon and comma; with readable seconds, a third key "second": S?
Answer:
{"hour": 3, "minute": 49}
